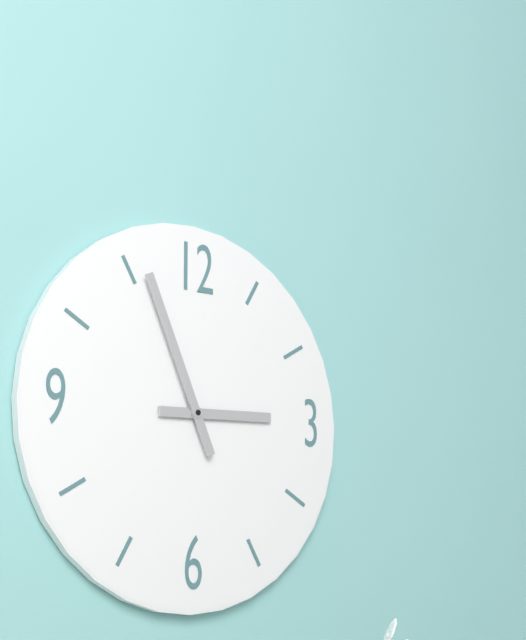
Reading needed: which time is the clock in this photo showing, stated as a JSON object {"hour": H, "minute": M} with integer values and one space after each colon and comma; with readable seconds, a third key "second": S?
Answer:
{"hour": 2, "minute": 56}
